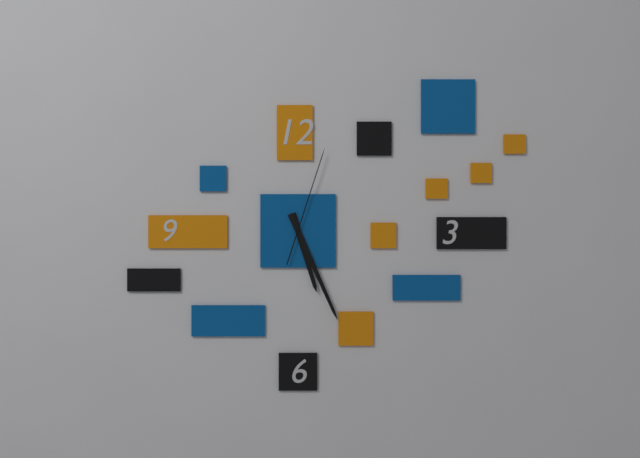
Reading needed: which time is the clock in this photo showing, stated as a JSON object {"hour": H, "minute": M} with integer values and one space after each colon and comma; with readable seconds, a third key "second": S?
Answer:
{"hour": 5, "minute": 26, "second": 3}
